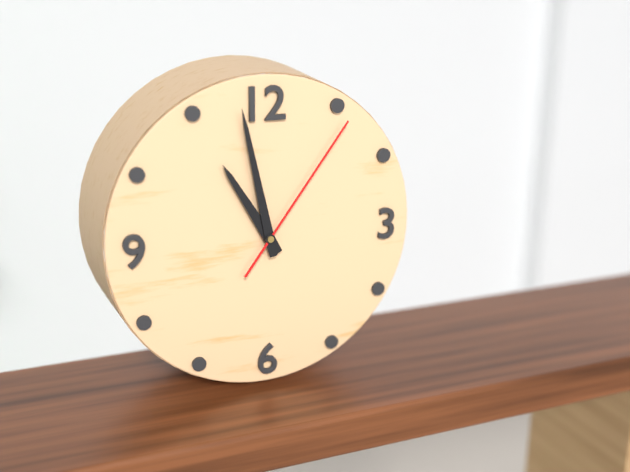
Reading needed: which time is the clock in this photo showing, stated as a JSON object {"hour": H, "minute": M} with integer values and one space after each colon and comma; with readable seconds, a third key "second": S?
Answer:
{"hour": 10, "minute": 58, "second": 6}
